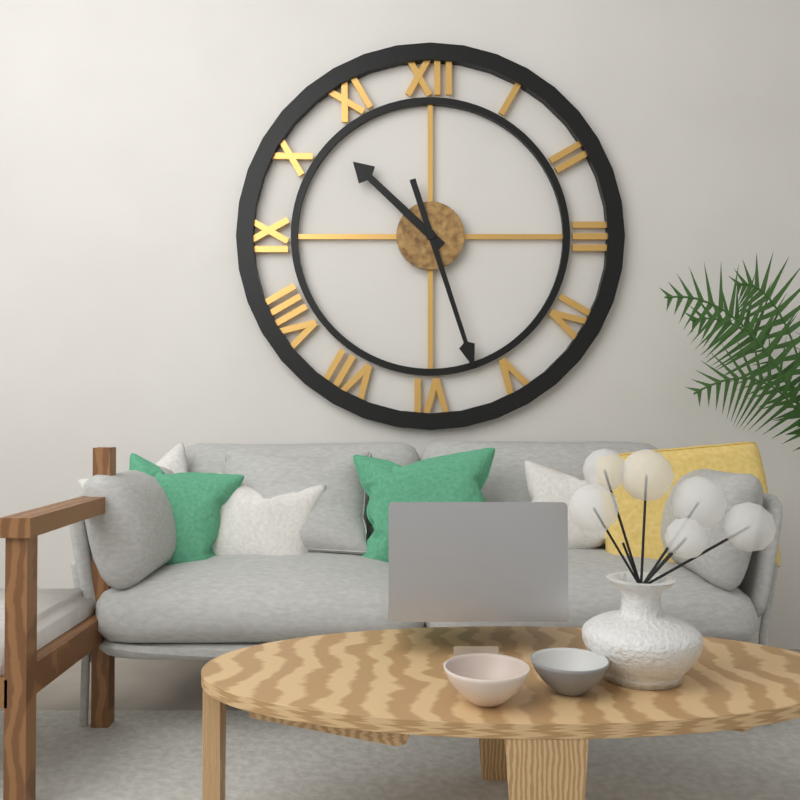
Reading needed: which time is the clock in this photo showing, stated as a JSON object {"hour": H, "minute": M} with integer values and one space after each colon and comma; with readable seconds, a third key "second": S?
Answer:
{"hour": 10, "minute": 27}
